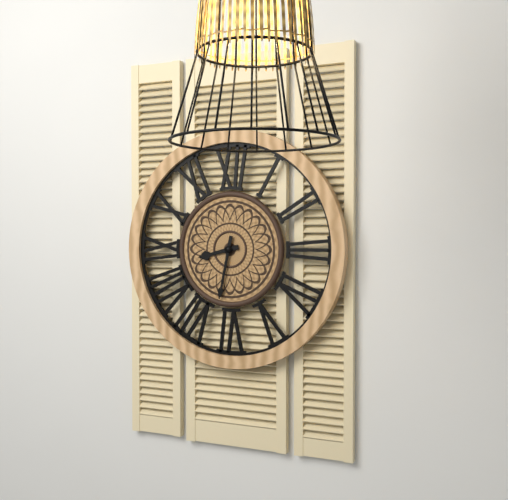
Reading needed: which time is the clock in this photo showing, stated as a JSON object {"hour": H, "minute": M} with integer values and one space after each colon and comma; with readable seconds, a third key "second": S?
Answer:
{"hour": 8, "minute": 32}
